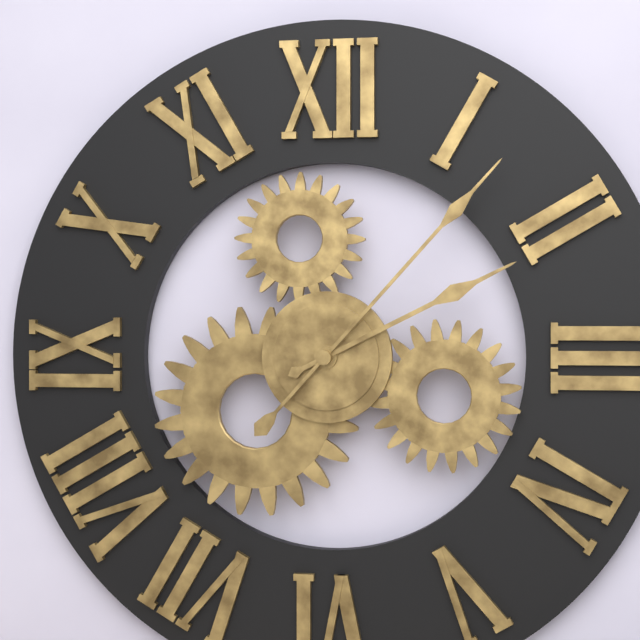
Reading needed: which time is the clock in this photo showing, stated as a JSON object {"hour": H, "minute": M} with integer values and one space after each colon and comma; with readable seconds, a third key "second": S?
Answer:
{"hour": 2, "minute": 7}
